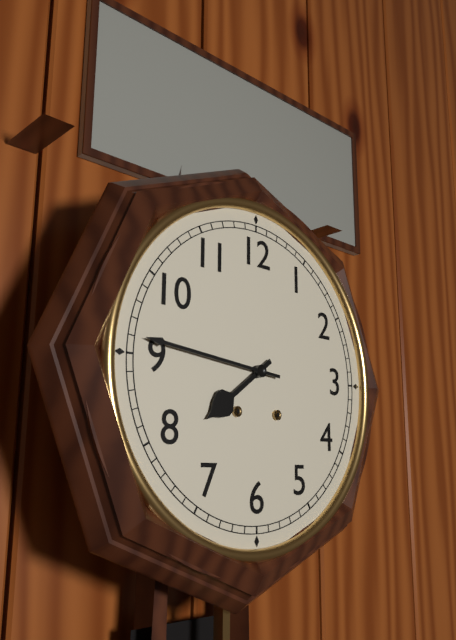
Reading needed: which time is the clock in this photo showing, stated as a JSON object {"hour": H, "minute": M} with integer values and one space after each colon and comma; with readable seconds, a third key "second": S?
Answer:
{"hour": 7, "minute": 46}
